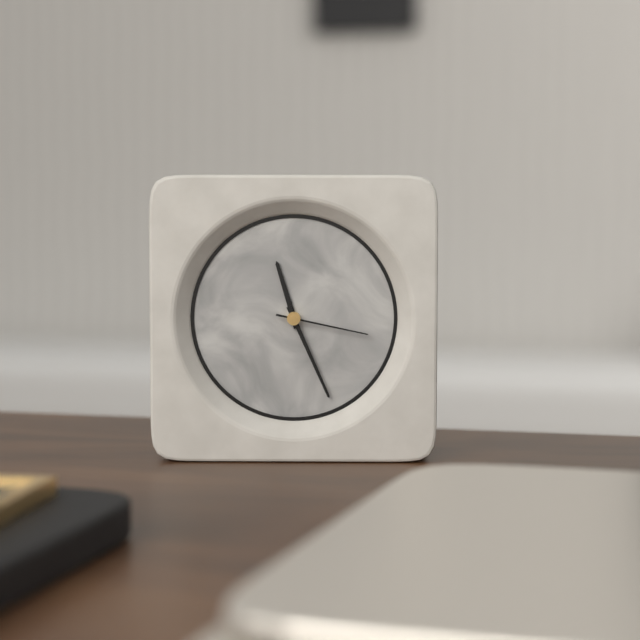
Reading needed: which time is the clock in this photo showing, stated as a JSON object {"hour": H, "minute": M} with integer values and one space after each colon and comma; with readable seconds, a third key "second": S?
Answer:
{"hour": 11, "minute": 26, "second": 17}
